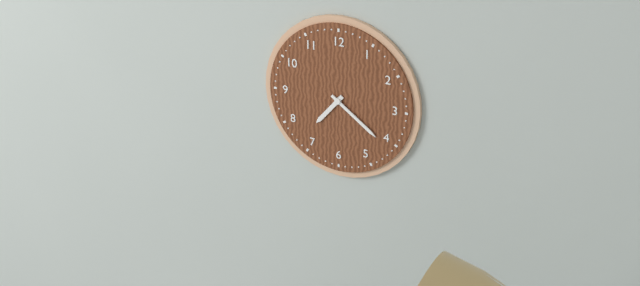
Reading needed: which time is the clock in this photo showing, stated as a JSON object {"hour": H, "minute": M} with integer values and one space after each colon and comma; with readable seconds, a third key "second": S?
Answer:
{"hour": 7, "minute": 21}
